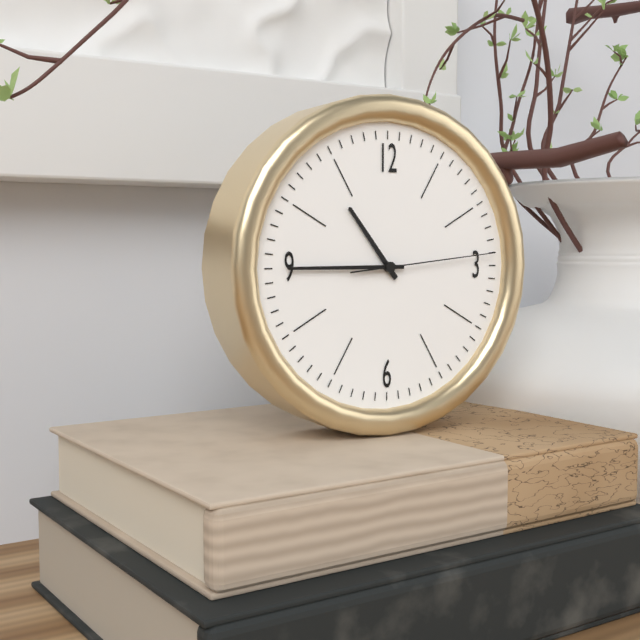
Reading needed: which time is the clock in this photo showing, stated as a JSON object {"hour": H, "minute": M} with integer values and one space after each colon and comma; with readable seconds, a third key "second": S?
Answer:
{"hour": 10, "minute": 45, "second": 14}
